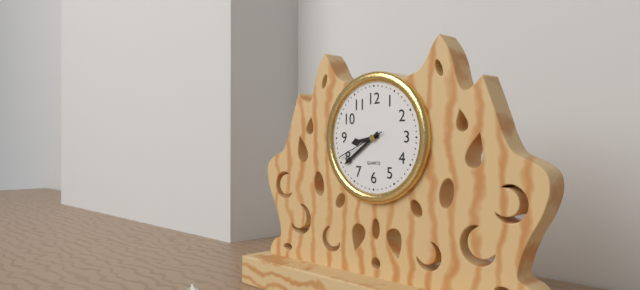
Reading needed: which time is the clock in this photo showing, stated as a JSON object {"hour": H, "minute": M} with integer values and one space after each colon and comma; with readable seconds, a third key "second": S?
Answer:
{"hour": 8, "minute": 39, "second": 41}
